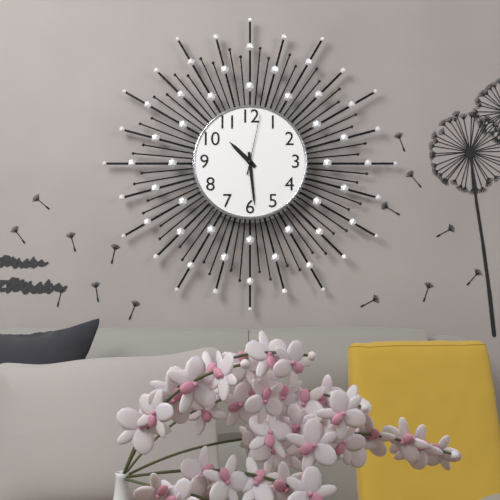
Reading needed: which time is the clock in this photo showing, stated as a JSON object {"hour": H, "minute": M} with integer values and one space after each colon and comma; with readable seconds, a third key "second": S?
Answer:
{"hour": 10, "minute": 29, "second": 2}
